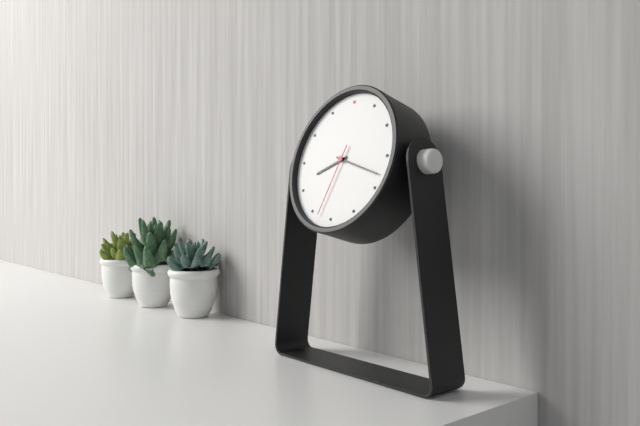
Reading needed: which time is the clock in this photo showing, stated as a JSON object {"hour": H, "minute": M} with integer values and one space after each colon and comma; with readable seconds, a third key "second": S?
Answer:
{"hour": 8, "minute": 18, "second": 33}
